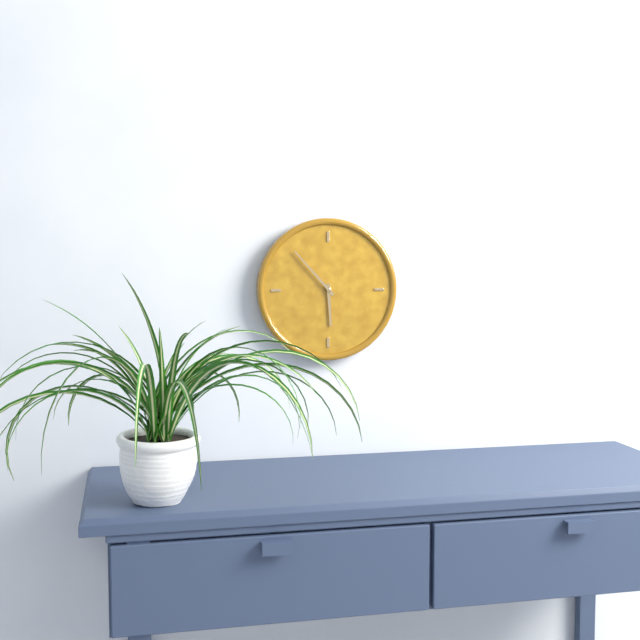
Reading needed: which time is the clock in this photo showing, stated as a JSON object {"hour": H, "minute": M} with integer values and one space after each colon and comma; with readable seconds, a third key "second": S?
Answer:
{"hour": 5, "minute": 53}
